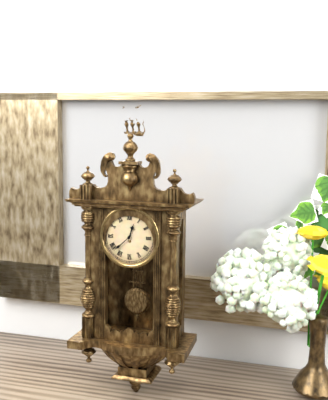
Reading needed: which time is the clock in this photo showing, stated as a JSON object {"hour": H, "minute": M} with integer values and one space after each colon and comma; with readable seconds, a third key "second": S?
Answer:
{"hour": 12, "minute": 38}
